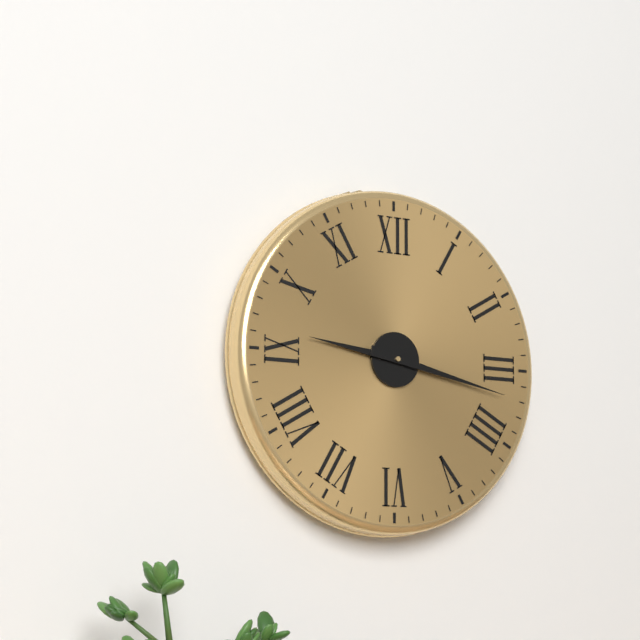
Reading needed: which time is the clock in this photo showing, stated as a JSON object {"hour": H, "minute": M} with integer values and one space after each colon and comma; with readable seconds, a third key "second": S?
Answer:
{"hour": 9, "minute": 17}
